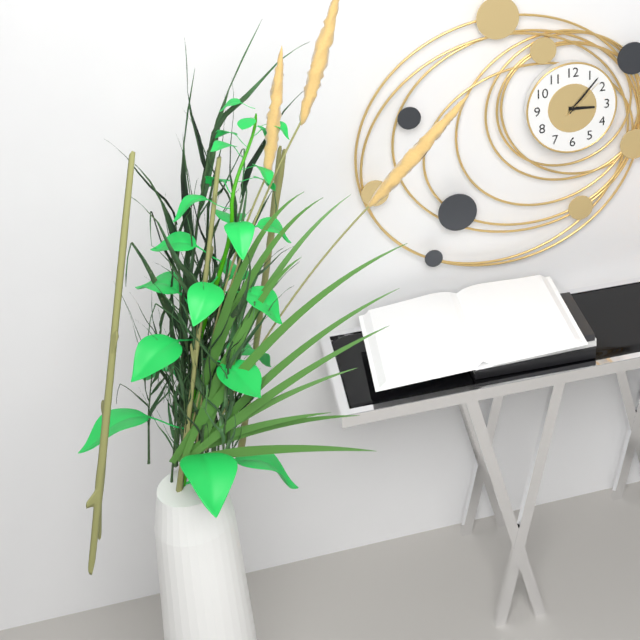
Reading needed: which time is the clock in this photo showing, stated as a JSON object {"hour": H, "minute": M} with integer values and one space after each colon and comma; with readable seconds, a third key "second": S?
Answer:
{"hour": 3, "minute": 7}
